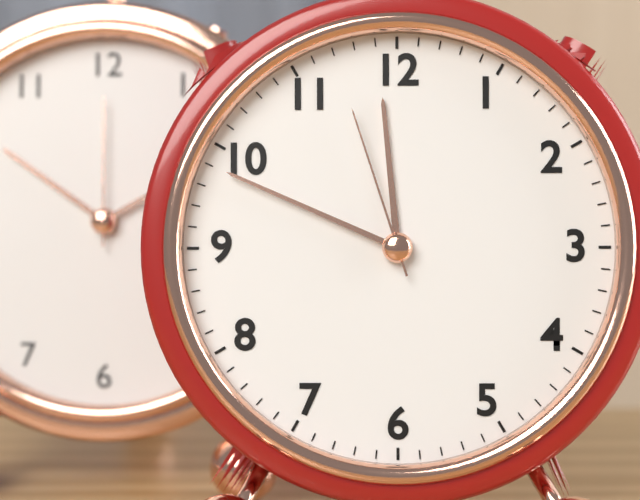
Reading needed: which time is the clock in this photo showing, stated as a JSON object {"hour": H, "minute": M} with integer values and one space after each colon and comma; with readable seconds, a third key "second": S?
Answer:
{"hour": 11, "minute": 49, "second": 57}
